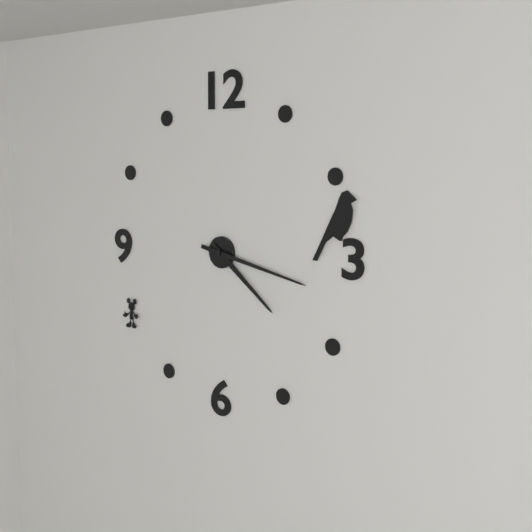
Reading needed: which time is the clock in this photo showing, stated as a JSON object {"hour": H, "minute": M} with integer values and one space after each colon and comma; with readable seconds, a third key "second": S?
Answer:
{"hour": 4, "minute": 17}
